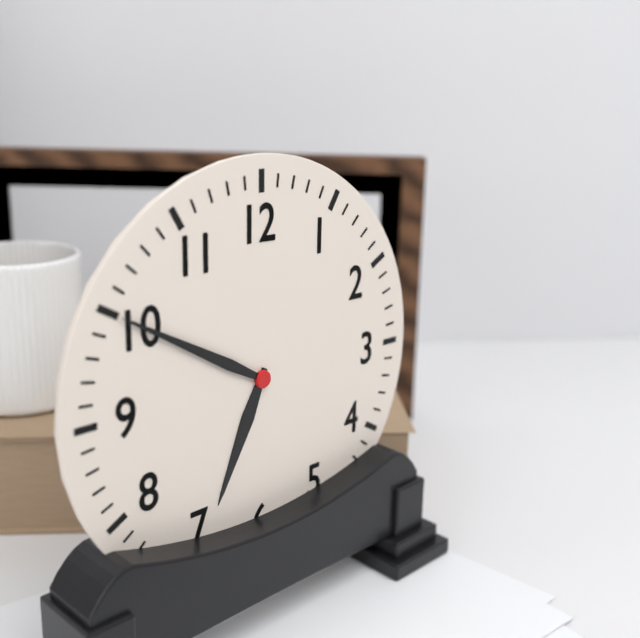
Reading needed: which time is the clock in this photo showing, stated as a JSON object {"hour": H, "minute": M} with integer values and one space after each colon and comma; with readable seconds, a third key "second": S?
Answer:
{"hour": 6, "minute": 50}
